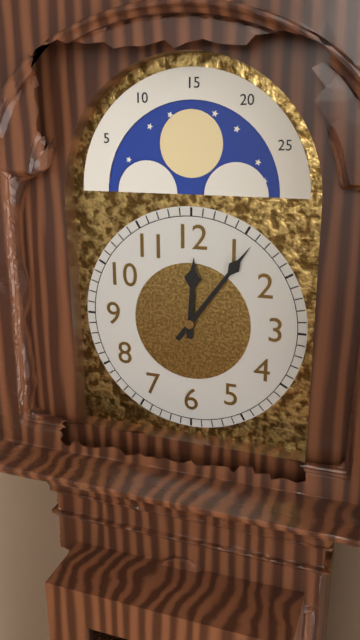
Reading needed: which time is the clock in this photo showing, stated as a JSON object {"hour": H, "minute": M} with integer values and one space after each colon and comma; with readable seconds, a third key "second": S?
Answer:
{"hour": 12, "minute": 6}
